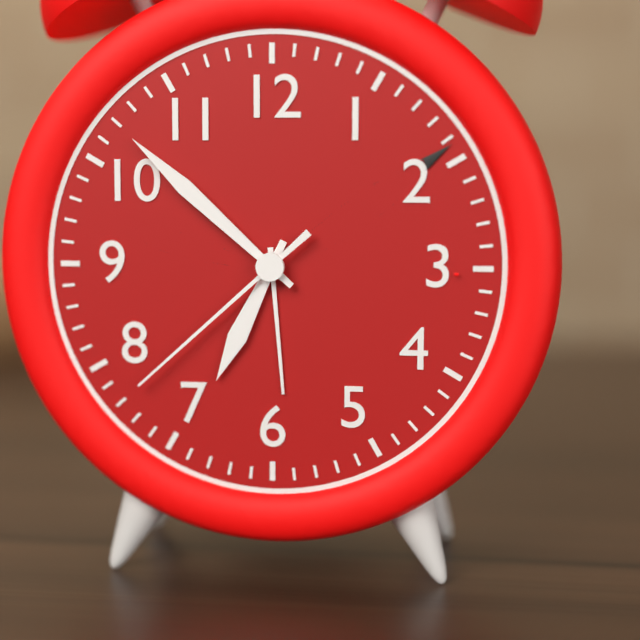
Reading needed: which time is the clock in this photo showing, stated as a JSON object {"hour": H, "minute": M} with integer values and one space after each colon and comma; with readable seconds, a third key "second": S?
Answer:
{"hour": 6, "minute": 52, "second": 38}
